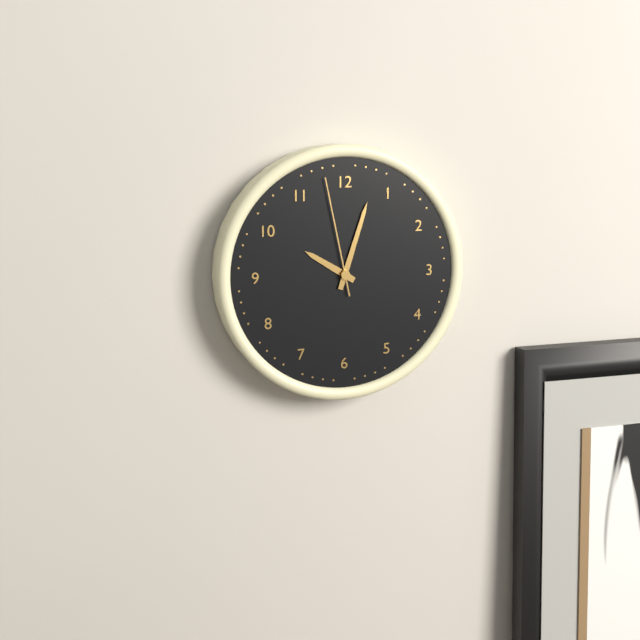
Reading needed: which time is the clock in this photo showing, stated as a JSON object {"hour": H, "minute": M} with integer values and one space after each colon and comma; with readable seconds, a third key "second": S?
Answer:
{"hour": 10, "minute": 3, "second": 58}
